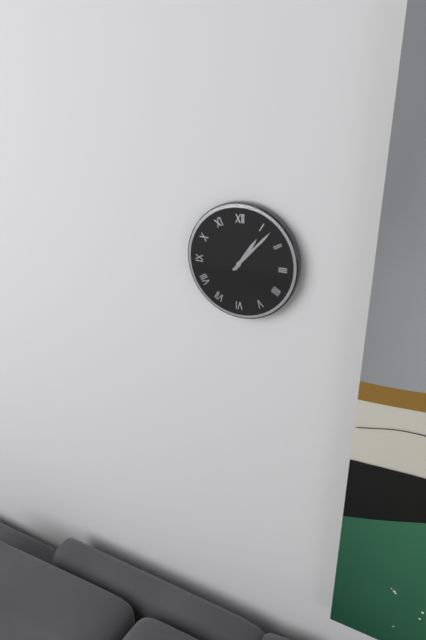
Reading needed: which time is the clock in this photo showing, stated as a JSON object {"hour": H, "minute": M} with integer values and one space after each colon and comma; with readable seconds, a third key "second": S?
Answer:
{"hour": 1, "minute": 7}
